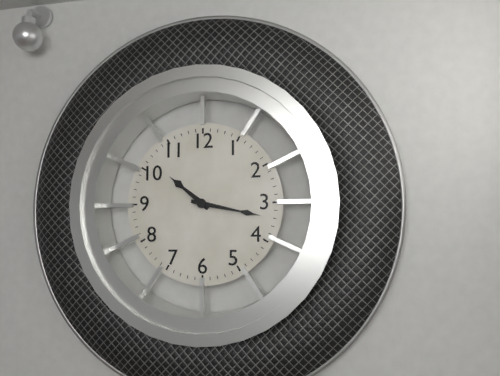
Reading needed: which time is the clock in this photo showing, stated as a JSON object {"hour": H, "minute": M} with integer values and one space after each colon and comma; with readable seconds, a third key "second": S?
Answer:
{"hour": 10, "minute": 17}
